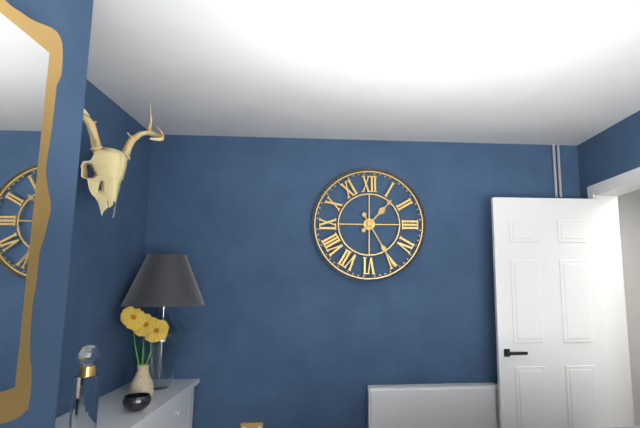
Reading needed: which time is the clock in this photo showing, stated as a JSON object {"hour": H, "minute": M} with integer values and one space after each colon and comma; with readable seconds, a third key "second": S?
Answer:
{"hour": 1, "minute": 25}
